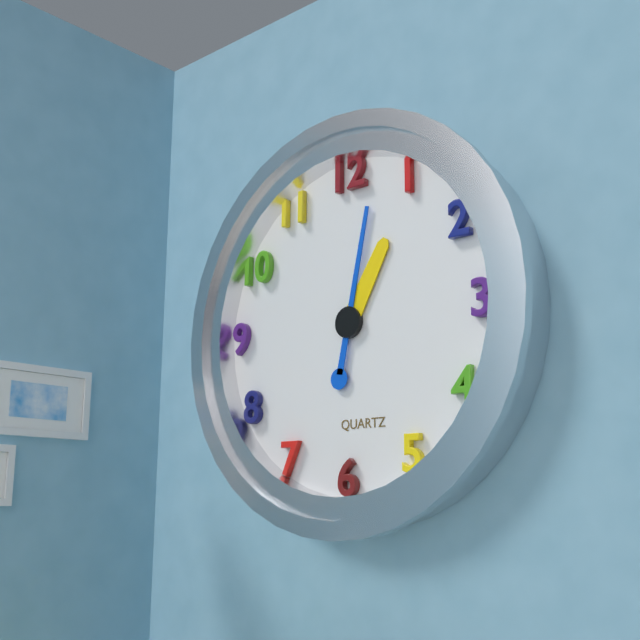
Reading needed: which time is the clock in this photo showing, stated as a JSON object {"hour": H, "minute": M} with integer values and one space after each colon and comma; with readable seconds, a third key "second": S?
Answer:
{"hour": 1, "minute": 2}
